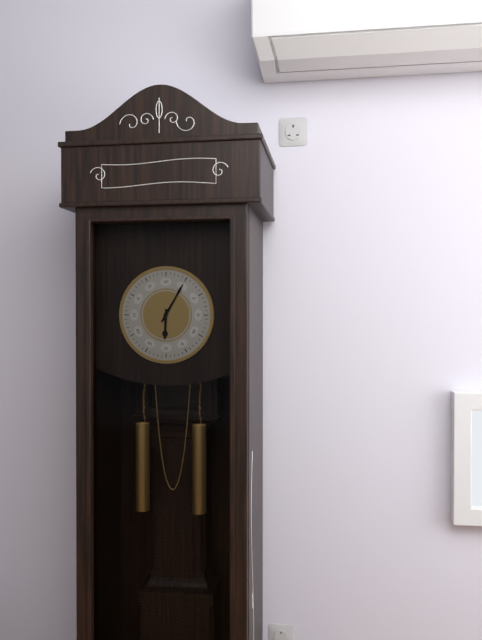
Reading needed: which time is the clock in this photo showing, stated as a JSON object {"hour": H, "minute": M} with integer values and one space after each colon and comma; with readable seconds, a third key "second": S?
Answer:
{"hour": 6, "minute": 5}
